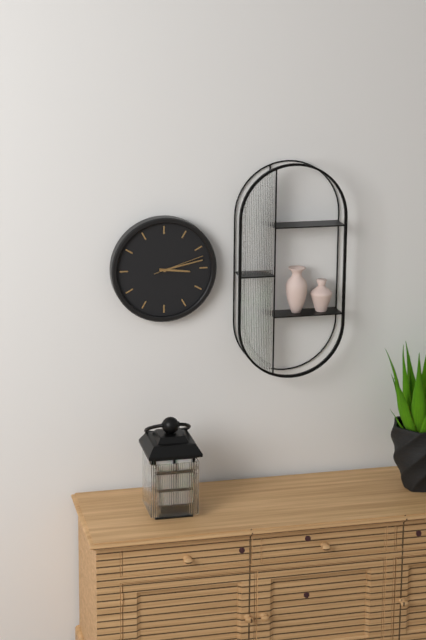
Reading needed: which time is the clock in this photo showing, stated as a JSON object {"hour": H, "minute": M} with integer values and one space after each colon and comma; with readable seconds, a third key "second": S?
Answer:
{"hour": 3, "minute": 13, "second": 12}
